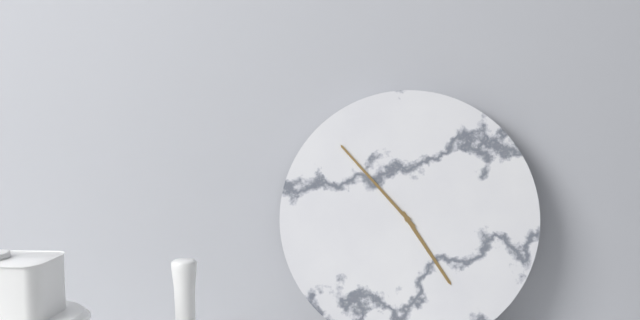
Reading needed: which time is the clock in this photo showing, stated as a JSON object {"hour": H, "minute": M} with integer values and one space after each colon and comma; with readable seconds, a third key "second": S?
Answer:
{"hour": 4, "minute": 53}
